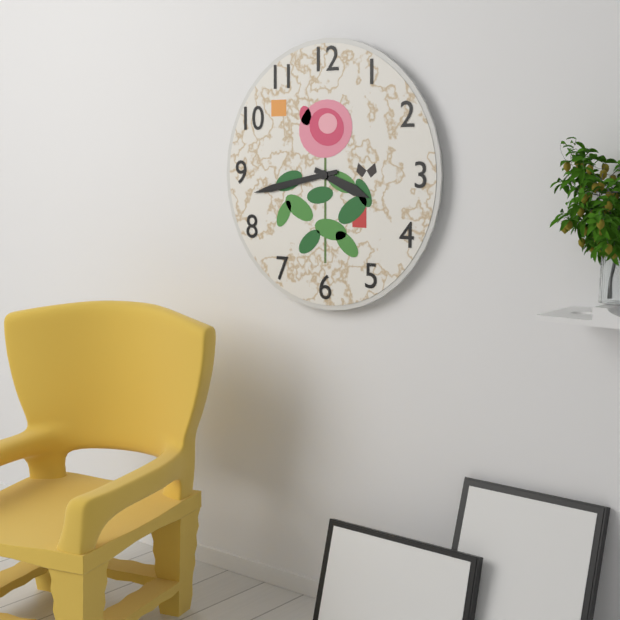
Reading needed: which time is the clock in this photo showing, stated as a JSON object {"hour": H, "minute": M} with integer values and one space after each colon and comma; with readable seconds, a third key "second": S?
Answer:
{"hour": 3, "minute": 43}
